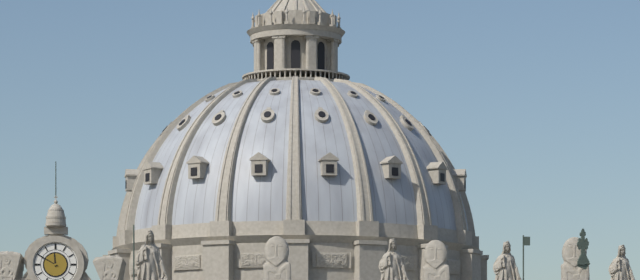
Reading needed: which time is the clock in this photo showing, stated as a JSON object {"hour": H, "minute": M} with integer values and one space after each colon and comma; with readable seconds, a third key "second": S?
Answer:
{"hour": 11, "minute": 50}
